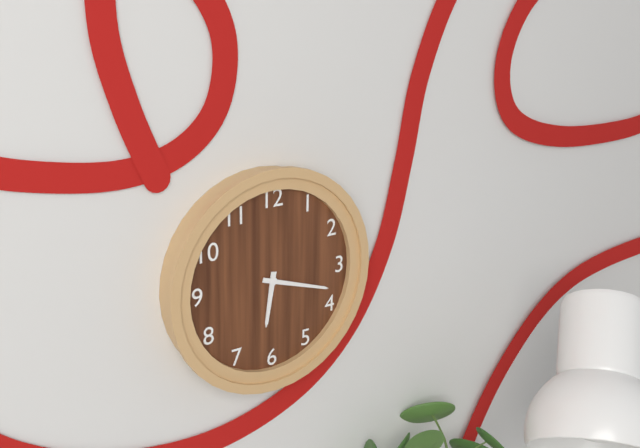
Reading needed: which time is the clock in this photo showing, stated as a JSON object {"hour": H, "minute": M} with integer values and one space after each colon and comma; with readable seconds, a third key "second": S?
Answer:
{"hour": 6, "minute": 18}
